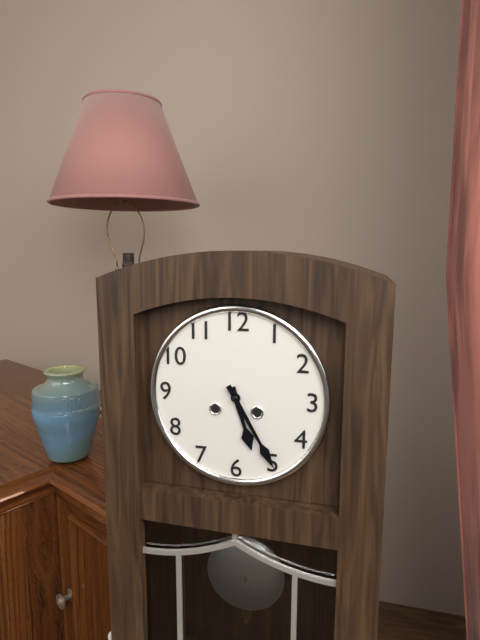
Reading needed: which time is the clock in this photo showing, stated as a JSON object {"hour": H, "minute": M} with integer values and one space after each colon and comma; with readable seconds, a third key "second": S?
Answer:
{"hour": 5, "minute": 25}
